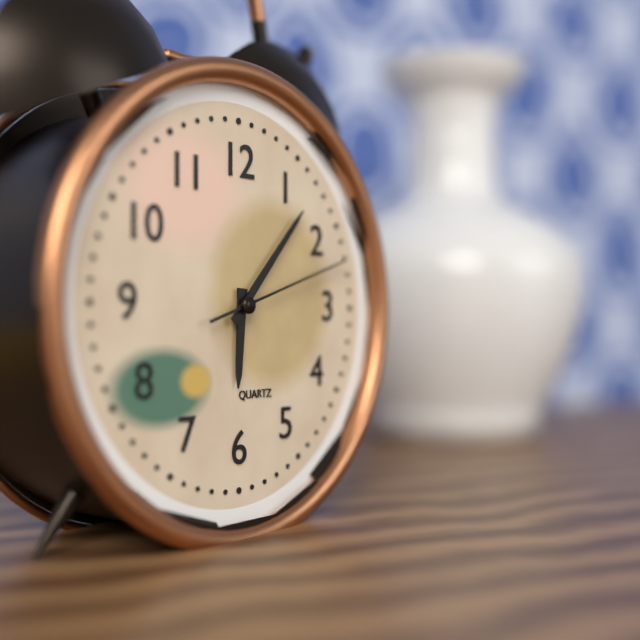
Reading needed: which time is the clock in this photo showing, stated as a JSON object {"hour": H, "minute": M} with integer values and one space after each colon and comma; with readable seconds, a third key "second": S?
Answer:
{"hour": 6, "minute": 7, "second": 12}
